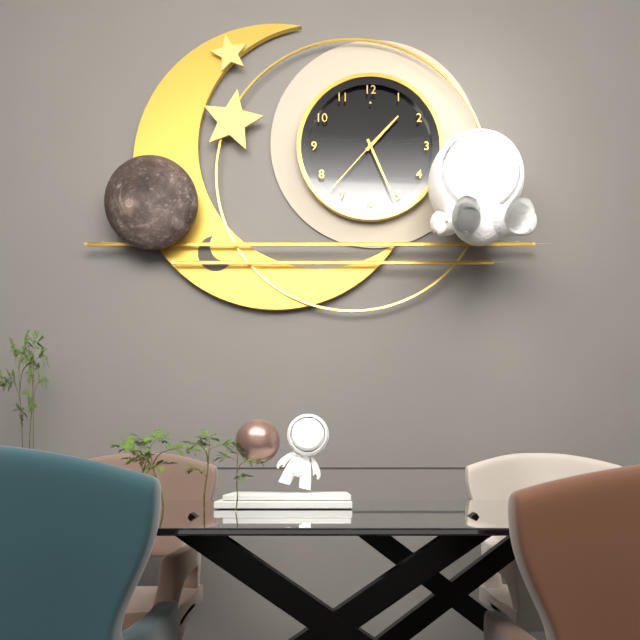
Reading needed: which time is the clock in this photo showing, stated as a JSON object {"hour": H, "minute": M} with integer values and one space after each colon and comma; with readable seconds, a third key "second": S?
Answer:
{"hour": 1, "minute": 26, "second": 37}
